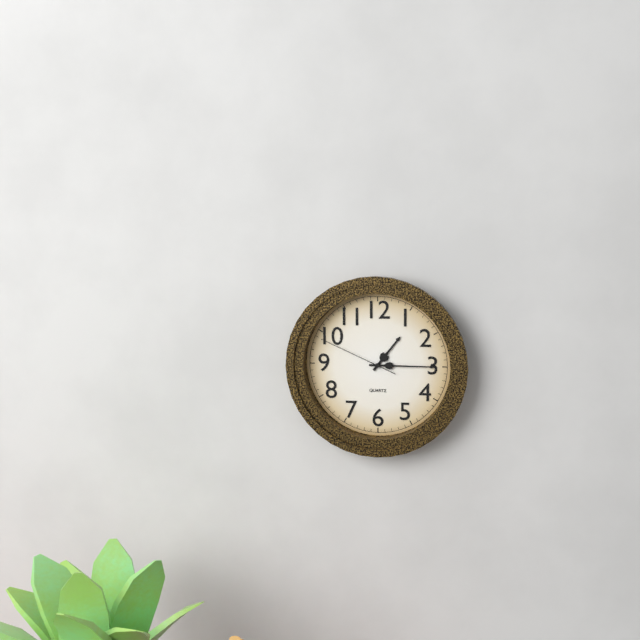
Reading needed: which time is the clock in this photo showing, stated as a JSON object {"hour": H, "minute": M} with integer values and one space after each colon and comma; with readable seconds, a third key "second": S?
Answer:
{"hour": 1, "minute": 15, "second": 49}
